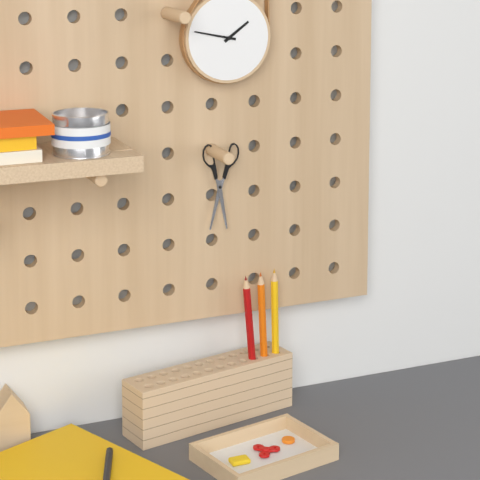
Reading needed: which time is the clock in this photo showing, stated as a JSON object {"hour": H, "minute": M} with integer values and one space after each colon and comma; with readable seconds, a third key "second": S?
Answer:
{"hour": 1, "minute": 47}
